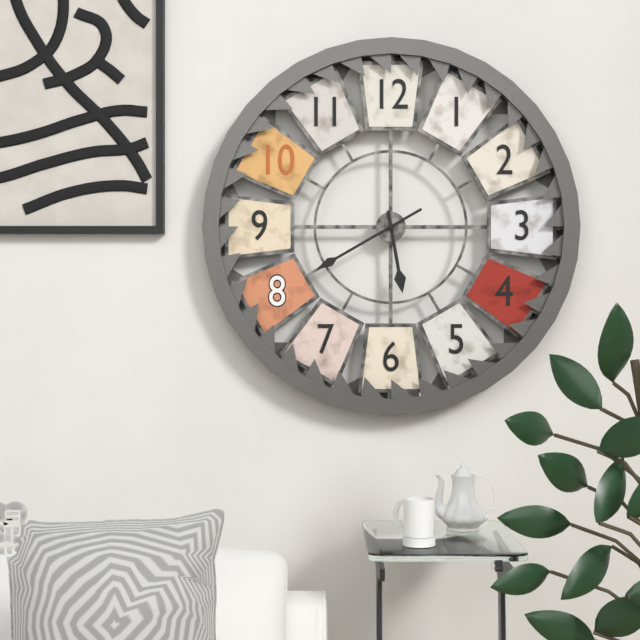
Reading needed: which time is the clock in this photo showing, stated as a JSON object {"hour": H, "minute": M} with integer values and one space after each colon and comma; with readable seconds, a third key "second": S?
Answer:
{"hour": 5, "minute": 40}
